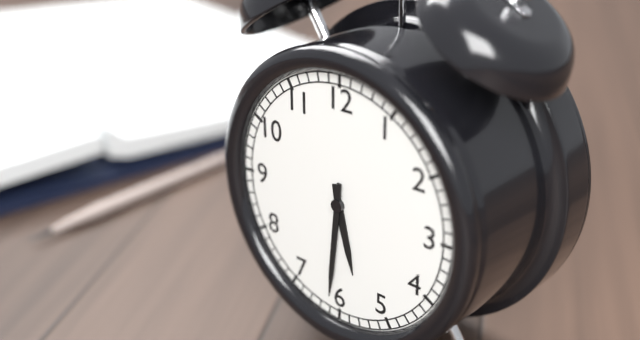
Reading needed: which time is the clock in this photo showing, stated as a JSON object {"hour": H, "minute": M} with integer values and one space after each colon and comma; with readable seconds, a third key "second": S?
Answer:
{"hour": 5, "minute": 31}
